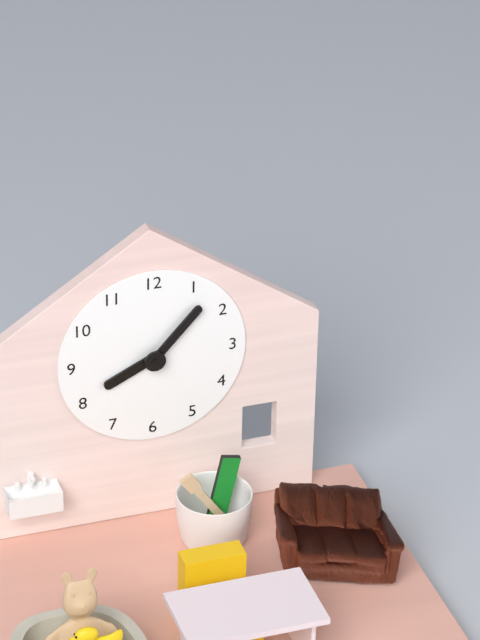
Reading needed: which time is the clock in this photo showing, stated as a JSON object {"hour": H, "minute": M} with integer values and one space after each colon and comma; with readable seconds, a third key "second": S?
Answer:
{"hour": 8, "minute": 7}
